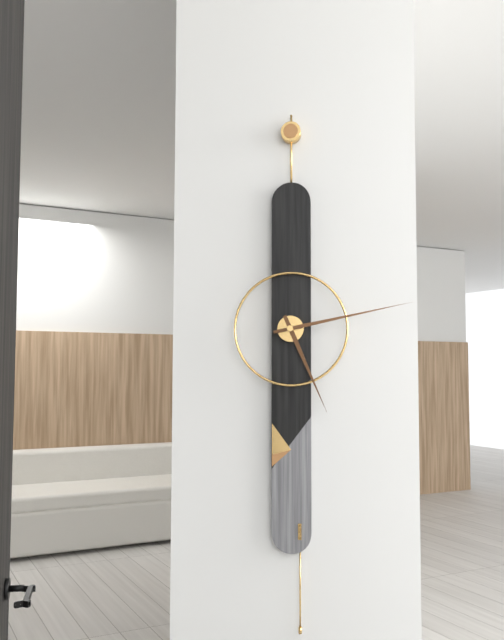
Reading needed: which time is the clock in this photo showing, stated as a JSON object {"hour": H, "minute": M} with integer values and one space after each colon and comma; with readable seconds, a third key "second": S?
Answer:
{"hour": 5, "minute": 13}
